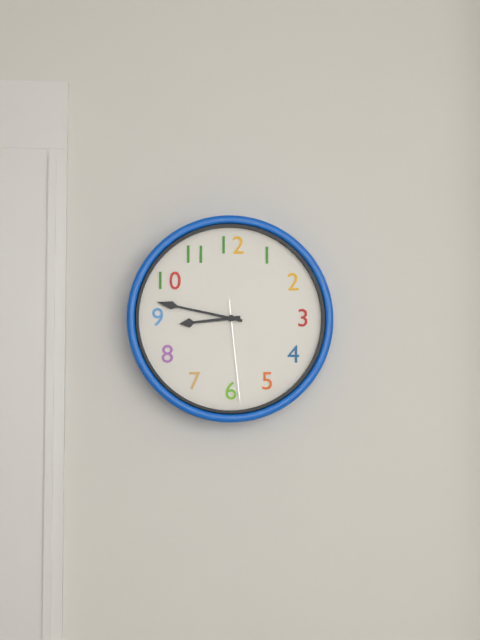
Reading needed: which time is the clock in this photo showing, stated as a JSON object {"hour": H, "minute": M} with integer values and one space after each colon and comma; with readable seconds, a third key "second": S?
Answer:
{"hour": 8, "minute": 47, "second": 29}
